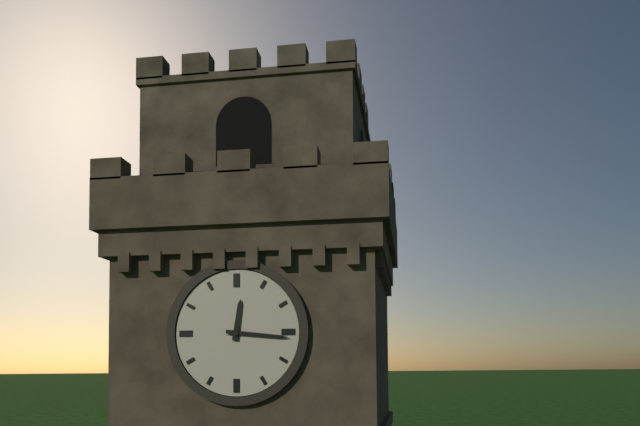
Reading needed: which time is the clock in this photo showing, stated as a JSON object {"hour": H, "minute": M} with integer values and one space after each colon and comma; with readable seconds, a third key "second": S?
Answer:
{"hour": 12, "minute": 16}
